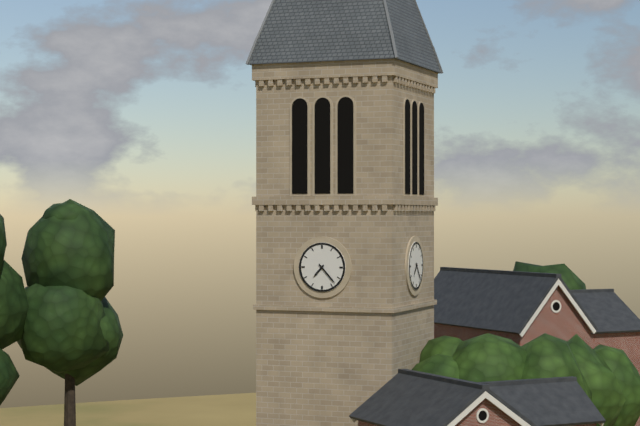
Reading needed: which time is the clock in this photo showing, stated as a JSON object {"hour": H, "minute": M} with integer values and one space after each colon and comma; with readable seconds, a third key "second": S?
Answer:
{"hour": 7, "minute": 23}
